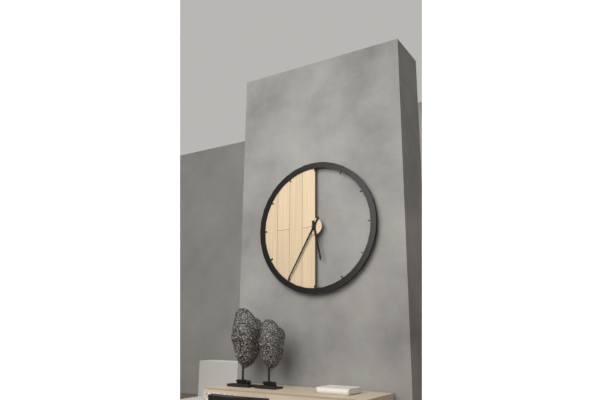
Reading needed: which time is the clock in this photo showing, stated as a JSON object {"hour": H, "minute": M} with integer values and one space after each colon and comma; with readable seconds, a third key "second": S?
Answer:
{"hour": 5, "minute": 35}
